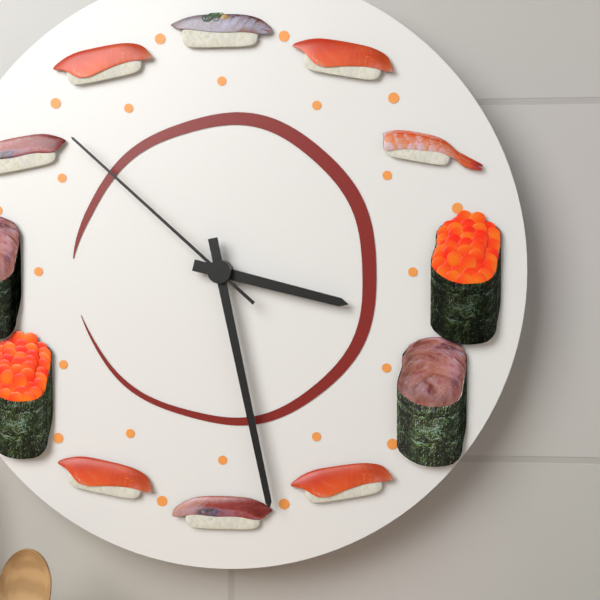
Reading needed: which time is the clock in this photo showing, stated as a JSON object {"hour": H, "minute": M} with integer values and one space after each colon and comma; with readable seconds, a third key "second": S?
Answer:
{"hour": 3, "minute": 28, "second": 52}
